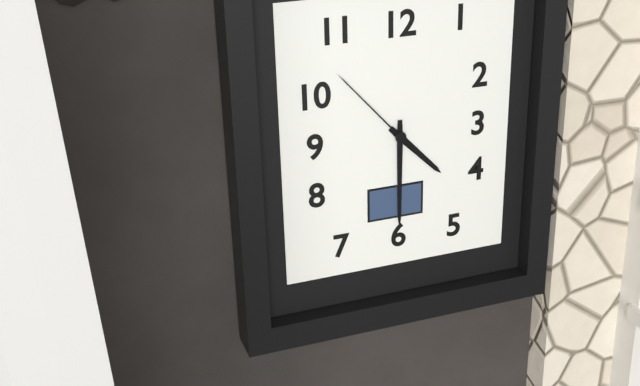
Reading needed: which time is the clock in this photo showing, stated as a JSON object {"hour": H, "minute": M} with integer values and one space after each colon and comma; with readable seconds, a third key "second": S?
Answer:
{"hour": 4, "minute": 30, "second": 53}
